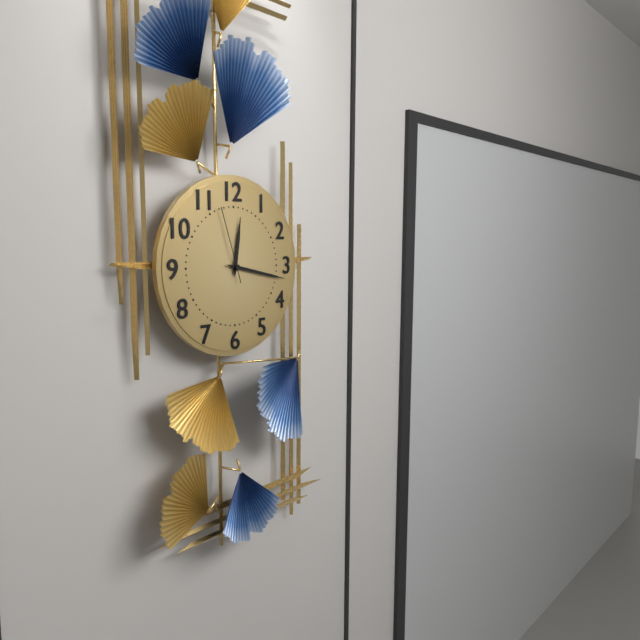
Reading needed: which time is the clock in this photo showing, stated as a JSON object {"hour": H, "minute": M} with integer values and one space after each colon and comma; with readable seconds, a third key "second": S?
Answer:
{"hour": 12, "minute": 17, "second": 57}
